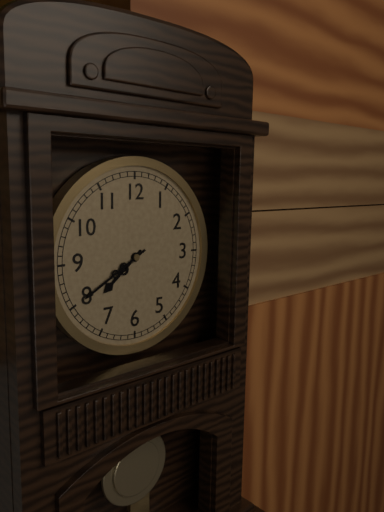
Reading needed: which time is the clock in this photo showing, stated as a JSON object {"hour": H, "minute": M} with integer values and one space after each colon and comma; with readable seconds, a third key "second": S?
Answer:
{"hour": 7, "minute": 40}
